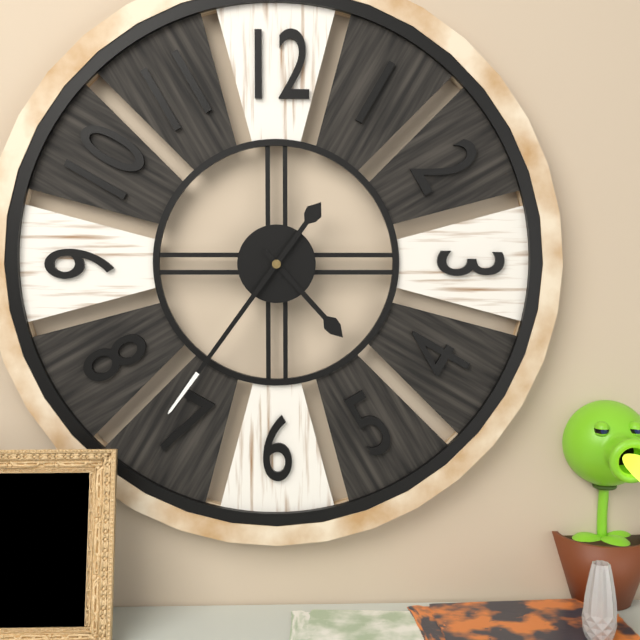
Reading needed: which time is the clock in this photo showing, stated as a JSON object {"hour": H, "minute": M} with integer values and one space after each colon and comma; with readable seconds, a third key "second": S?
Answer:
{"hour": 4, "minute": 36}
